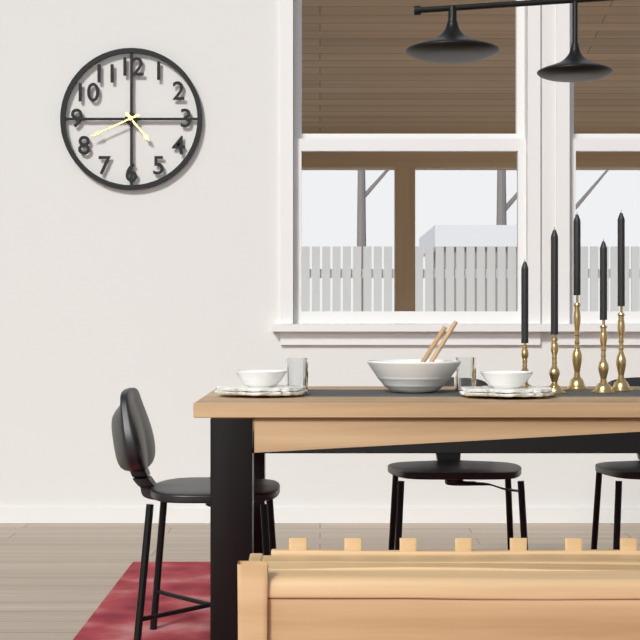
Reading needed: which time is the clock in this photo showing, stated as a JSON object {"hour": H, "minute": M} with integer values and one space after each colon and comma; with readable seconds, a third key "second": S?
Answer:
{"hour": 4, "minute": 41}
